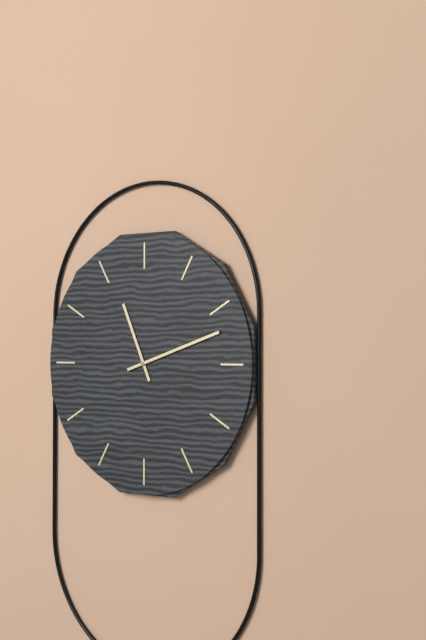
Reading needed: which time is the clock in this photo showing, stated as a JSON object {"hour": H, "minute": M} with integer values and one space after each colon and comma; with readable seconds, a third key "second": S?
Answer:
{"hour": 11, "minute": 12}
